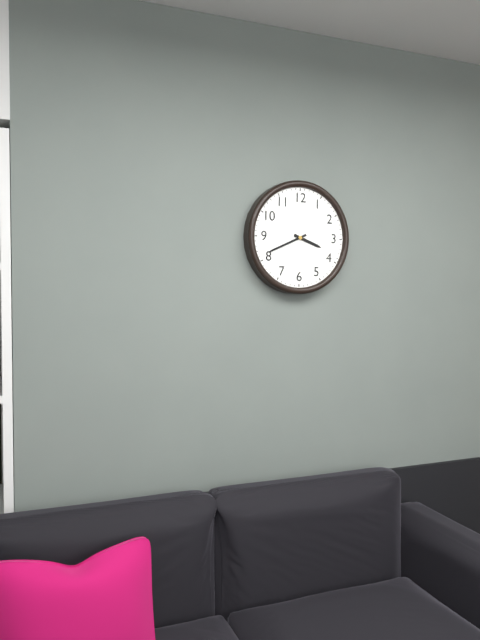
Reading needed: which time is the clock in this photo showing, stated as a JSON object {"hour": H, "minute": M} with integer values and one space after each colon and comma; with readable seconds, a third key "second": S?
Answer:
{"hour": 3, "minute": 41}
